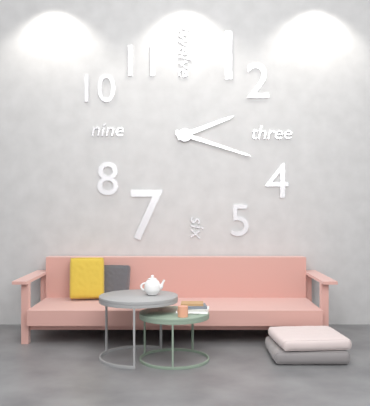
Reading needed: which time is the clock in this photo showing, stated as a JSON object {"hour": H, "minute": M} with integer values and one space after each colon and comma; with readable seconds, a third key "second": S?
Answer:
{"hour": 2, "minute": 18}
